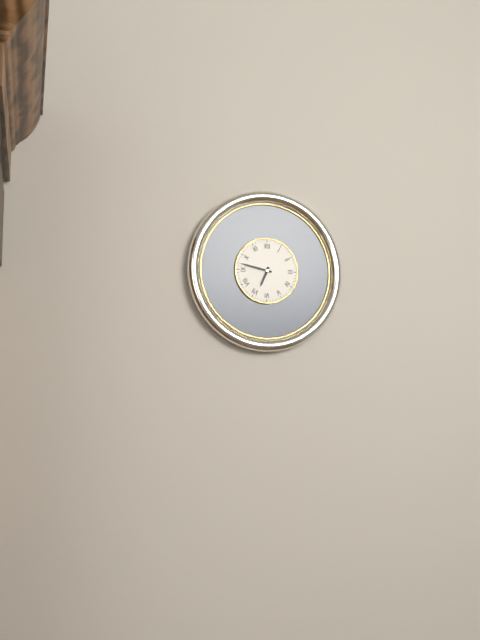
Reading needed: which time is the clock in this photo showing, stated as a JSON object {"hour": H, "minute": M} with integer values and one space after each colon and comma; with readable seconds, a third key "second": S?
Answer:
{"hour": 6, "minute": 47}
